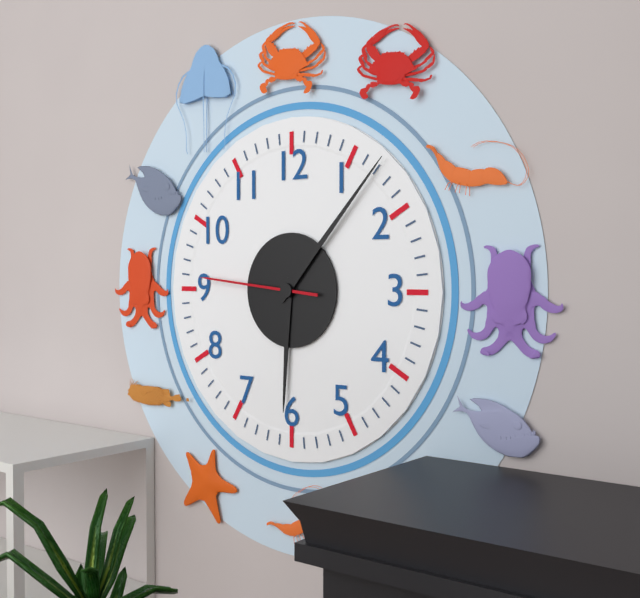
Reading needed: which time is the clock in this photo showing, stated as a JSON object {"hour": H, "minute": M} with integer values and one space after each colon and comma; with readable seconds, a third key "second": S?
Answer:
{"hour": 6, "minute": 7, "second": 46}
